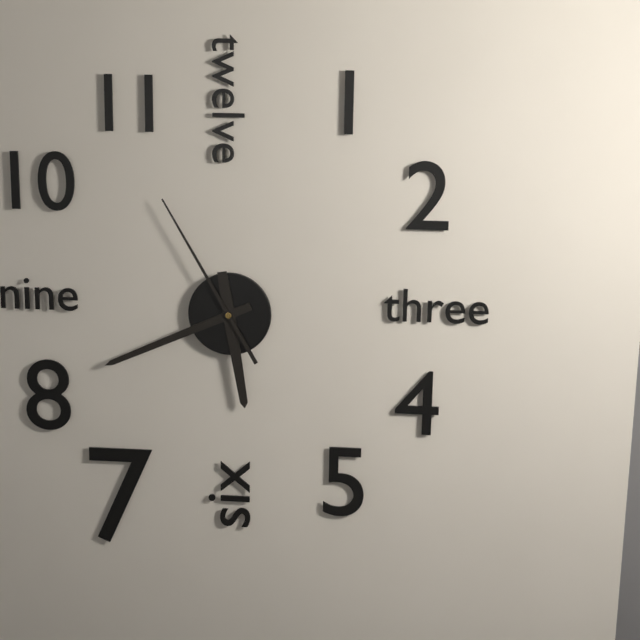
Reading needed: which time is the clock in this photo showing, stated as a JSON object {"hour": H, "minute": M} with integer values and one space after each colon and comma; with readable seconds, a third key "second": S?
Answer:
{"hour": 5, "minute": 41, "second": 55}
